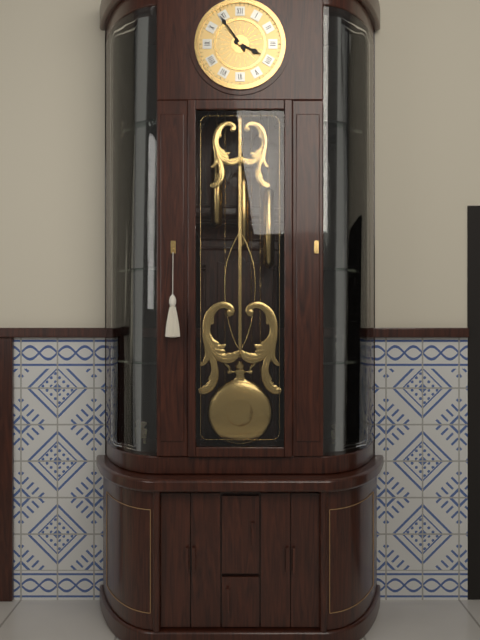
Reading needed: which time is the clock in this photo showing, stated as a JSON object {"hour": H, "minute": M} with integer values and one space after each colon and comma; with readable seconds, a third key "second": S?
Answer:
{"hour": 3, "minute": 54}
